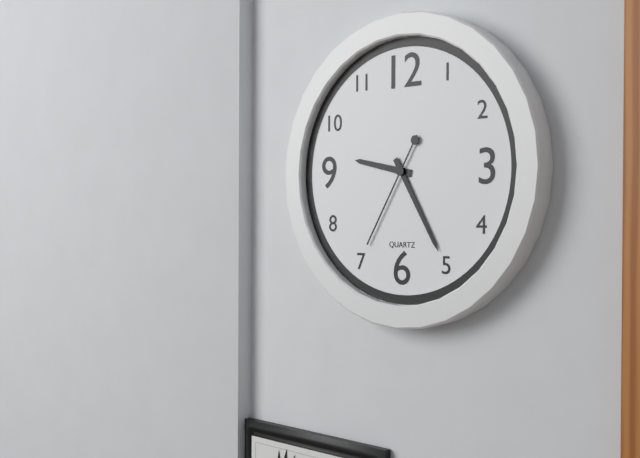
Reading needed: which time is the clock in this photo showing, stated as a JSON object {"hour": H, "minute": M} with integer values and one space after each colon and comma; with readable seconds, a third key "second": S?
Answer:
{"hour": 9, "minute": 25, "second": 35}
